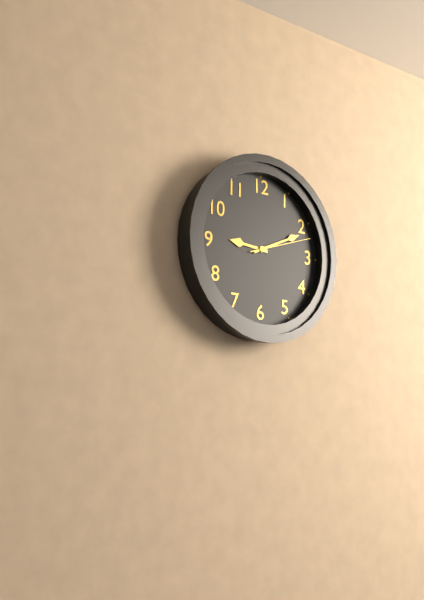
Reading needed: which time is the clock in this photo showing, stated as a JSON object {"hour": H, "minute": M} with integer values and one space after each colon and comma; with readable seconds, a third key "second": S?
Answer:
{"hour": 9, "minute": 11, "second": 12}
